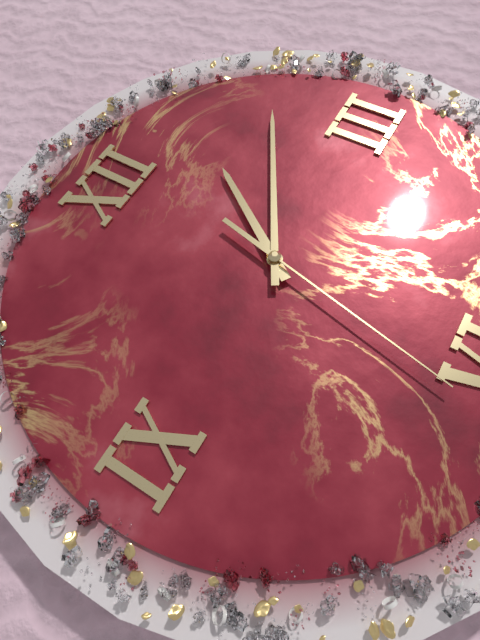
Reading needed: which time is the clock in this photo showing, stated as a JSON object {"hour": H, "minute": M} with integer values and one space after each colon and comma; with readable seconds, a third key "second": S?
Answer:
{"hour": 1, "minute": 10, "second": 32}
